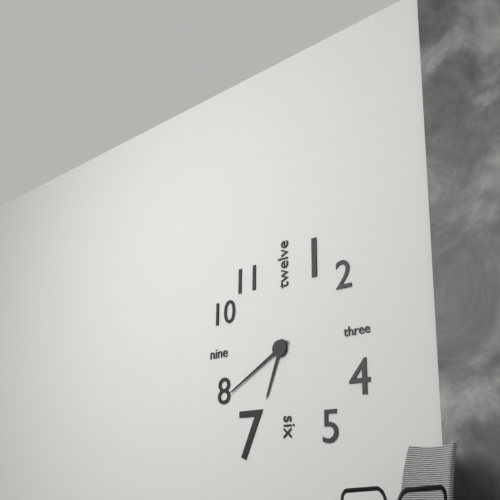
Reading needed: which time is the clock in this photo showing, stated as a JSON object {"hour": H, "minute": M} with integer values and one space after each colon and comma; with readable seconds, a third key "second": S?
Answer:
{"hour": 6, "minute": 40}
